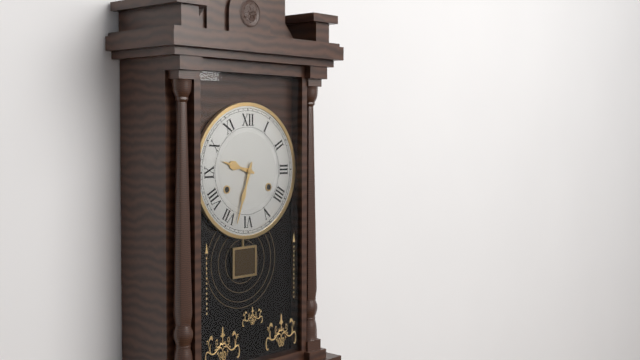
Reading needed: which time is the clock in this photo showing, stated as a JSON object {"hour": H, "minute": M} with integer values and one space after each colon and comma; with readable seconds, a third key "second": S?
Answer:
{"hour": 9, "minute": 33}
